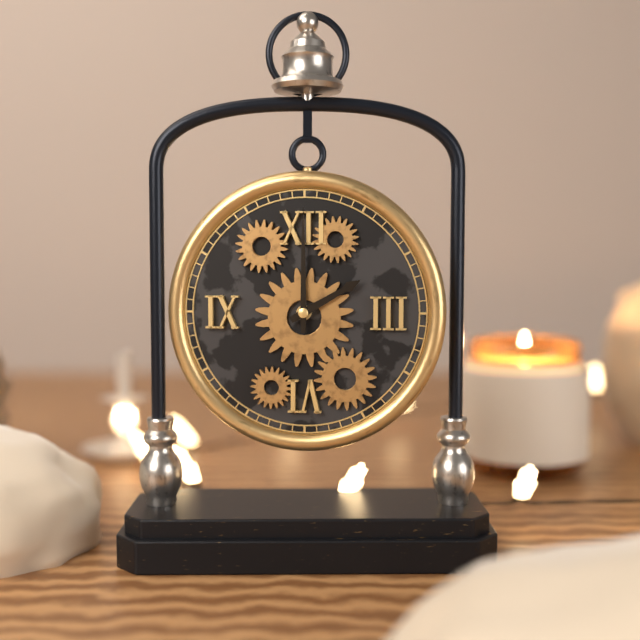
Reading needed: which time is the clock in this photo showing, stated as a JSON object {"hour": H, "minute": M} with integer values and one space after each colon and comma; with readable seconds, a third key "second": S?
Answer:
{"hour": 2, "minute": 0}
